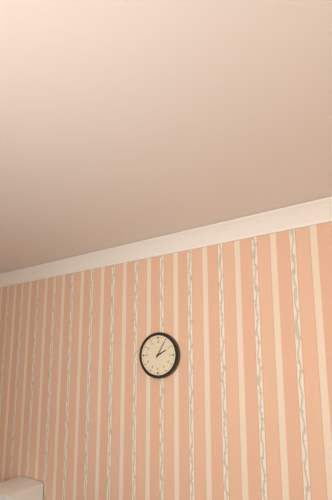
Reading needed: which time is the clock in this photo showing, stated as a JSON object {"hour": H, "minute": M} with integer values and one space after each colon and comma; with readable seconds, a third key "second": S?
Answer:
{"hour": 2, "minute": 5}
